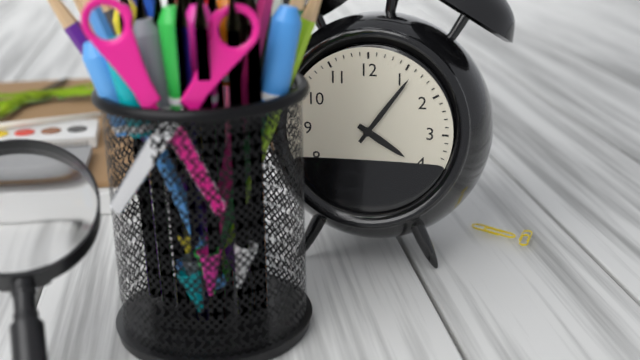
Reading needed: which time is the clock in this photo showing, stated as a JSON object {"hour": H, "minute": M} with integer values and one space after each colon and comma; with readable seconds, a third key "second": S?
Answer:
{"hour": 4, "minute": 6}
